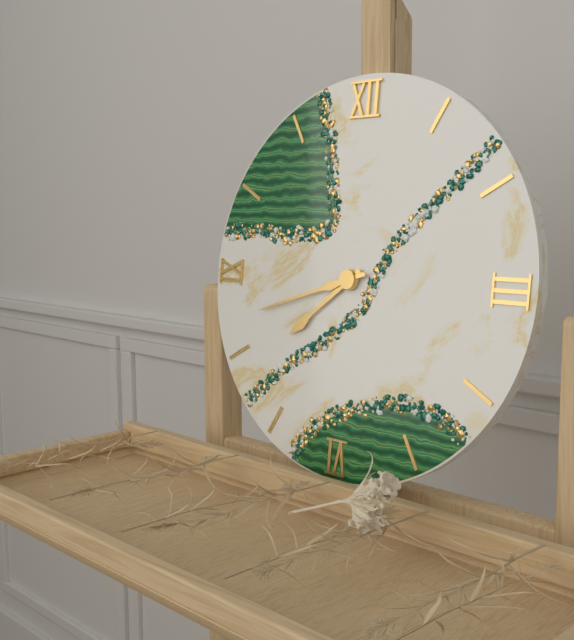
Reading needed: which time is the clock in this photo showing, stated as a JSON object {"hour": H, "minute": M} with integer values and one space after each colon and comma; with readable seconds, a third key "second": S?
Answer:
{"hour": 7, "minute": 42}
